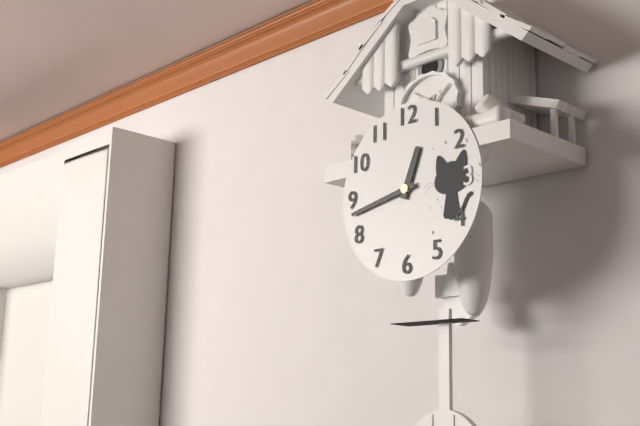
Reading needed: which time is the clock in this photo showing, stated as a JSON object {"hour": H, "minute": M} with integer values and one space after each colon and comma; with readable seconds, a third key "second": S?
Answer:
{"hour": 12, "minute": 43}
